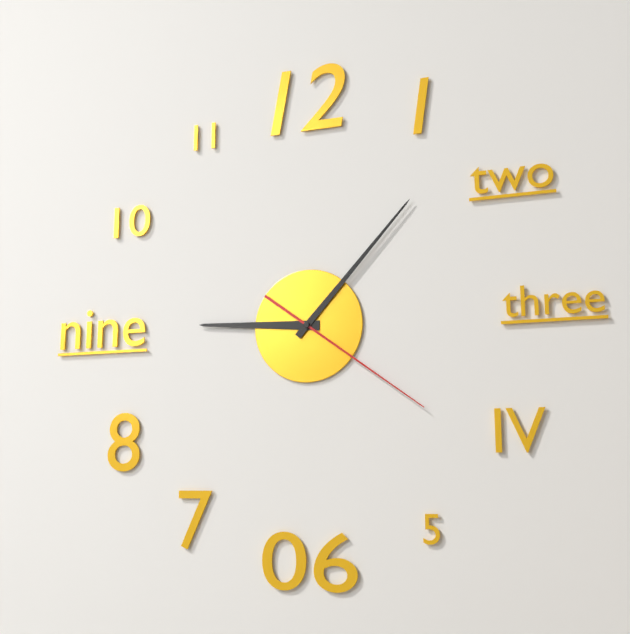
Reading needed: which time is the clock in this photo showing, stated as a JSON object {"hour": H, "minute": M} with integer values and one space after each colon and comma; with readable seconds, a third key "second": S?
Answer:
{"hour": 9, "minute": 7, "second": 21}
